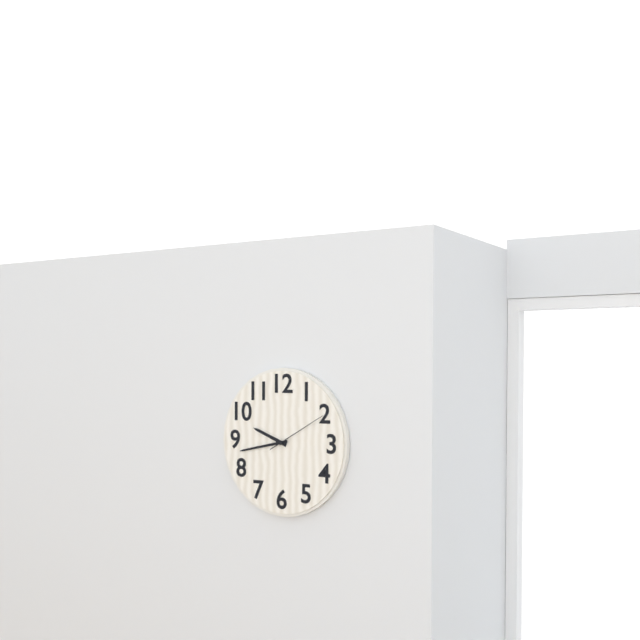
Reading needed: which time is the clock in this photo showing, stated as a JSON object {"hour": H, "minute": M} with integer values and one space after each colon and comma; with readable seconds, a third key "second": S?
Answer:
{"hour": 9, "minute": 43, "second": 10}
